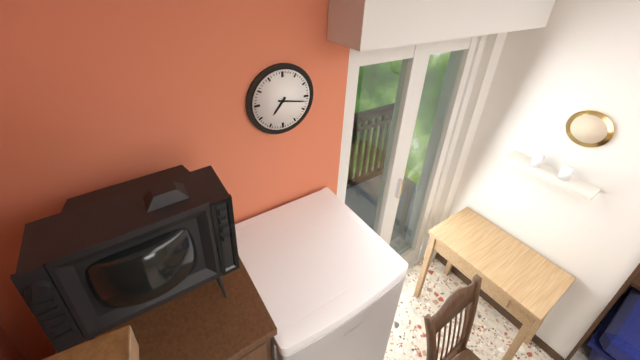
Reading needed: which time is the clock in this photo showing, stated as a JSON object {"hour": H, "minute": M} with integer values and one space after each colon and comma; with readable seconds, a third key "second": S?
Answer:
{"hour": 7, "minute": 17}
